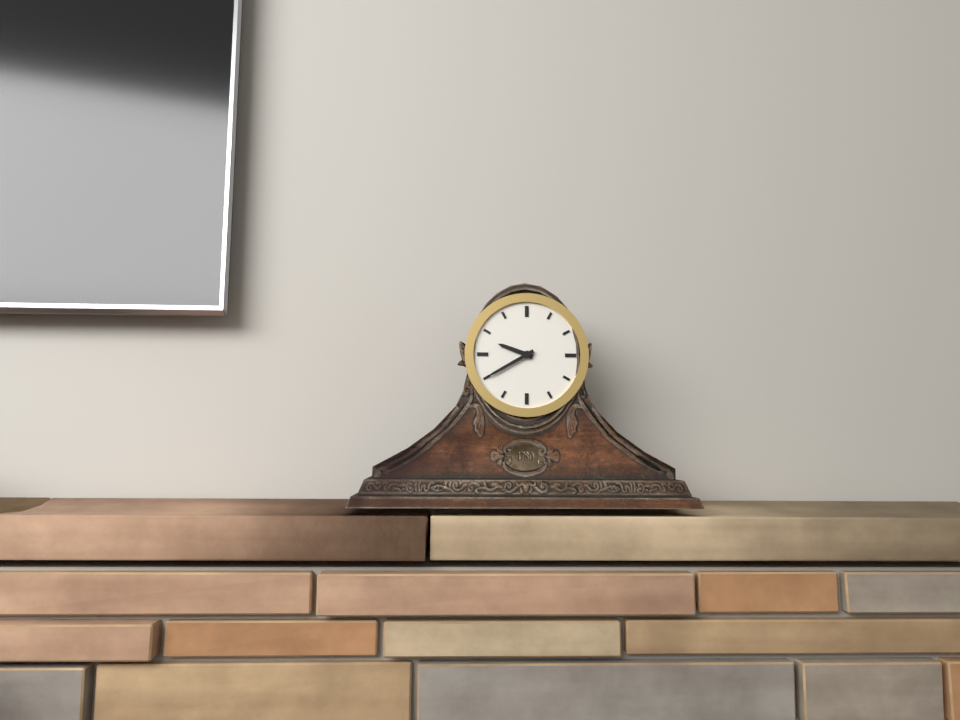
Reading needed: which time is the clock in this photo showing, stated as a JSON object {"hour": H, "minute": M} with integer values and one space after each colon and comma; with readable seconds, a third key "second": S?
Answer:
{"hour": 9, "minute": 40}
